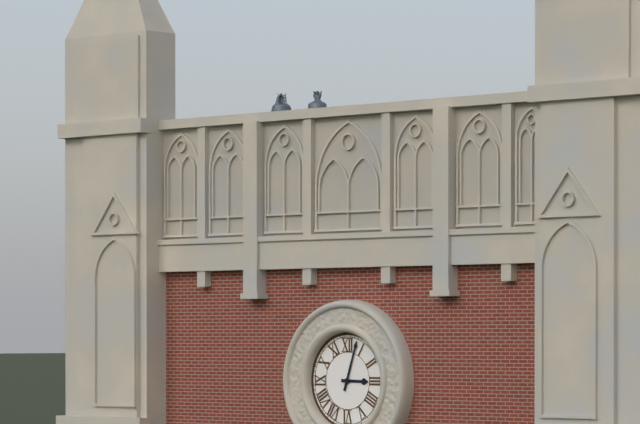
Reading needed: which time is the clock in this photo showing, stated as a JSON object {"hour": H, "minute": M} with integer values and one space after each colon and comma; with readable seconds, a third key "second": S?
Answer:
{"hour": 3, "minute": 3}
